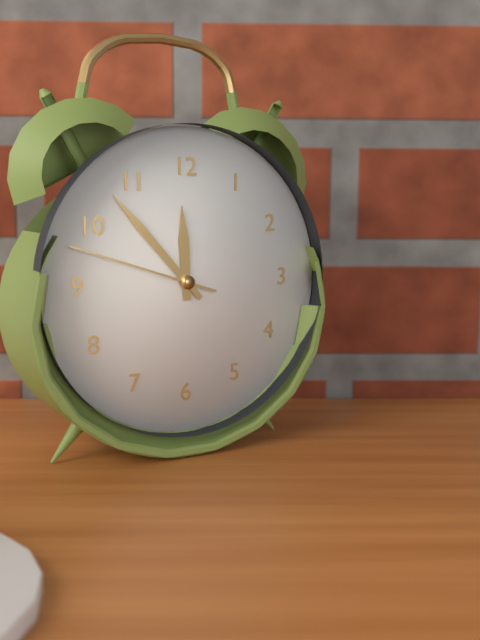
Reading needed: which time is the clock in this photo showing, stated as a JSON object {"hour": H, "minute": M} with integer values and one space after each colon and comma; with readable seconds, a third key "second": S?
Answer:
{"hour": 11, "minute": 53, "second": 48}
